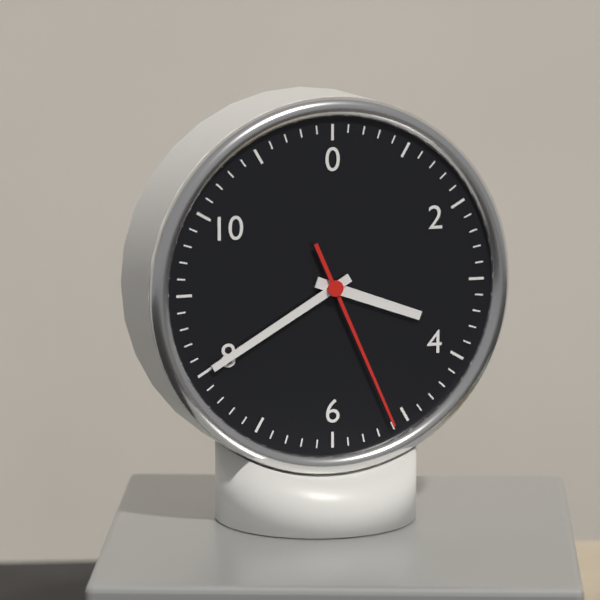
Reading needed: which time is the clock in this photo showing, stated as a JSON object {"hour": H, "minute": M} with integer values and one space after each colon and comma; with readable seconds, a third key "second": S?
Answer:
{"hour": 3, "minute": 40, "second": 26}
